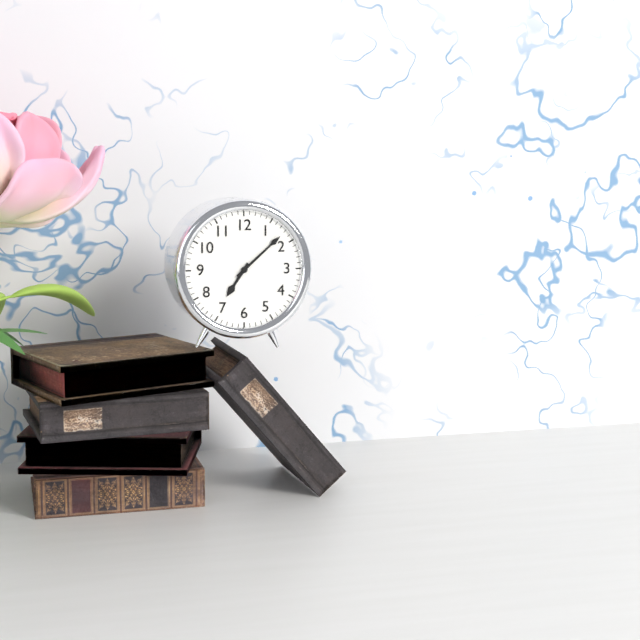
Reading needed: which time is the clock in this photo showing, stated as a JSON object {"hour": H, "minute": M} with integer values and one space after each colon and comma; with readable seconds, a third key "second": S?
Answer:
{"hour": 7, "minute": 8}
